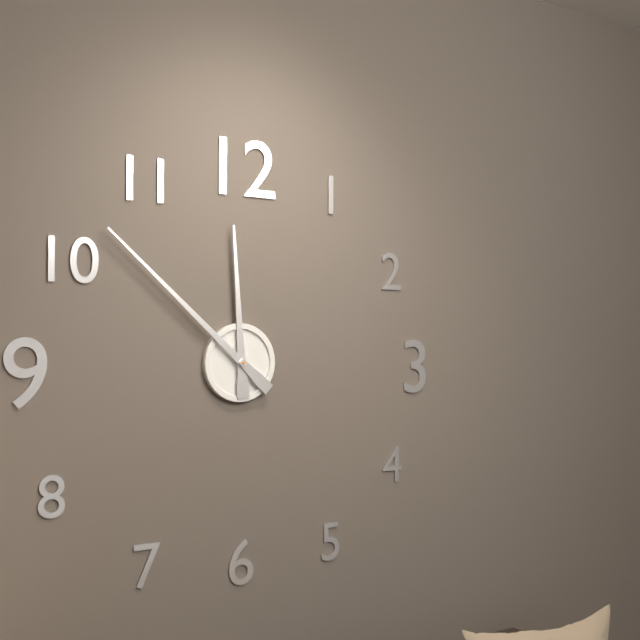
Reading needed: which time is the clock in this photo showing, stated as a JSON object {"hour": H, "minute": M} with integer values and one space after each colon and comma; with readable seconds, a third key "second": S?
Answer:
{"hour": 11, "minute": 52}
